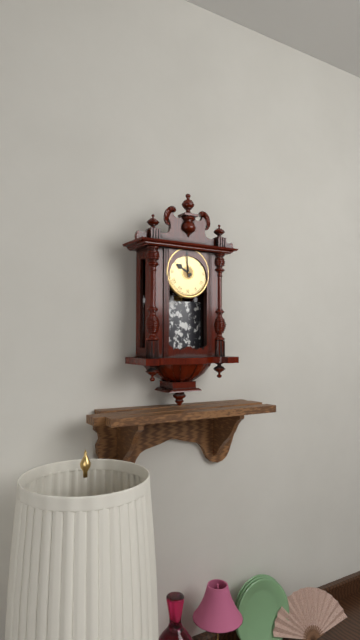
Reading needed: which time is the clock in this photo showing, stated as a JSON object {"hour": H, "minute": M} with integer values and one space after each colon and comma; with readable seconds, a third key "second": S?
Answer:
{"hour": 9, "minute": 59}
